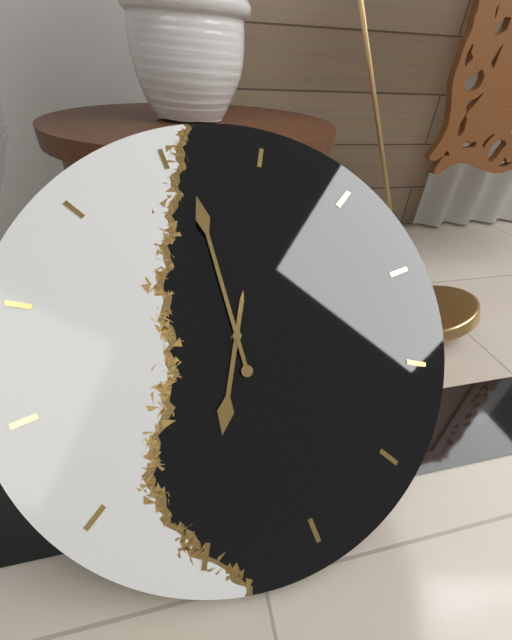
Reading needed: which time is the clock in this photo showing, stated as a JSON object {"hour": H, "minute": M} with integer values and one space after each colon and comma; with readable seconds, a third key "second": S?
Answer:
{"hour": 7, "minute": 1}
